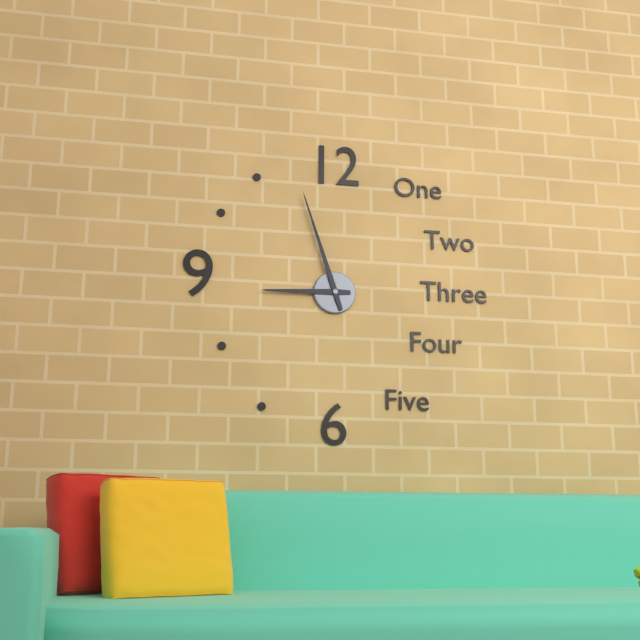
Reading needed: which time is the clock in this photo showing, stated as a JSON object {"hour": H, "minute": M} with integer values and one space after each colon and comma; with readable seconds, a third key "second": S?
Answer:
{"hour": 8, "minute": 57}
